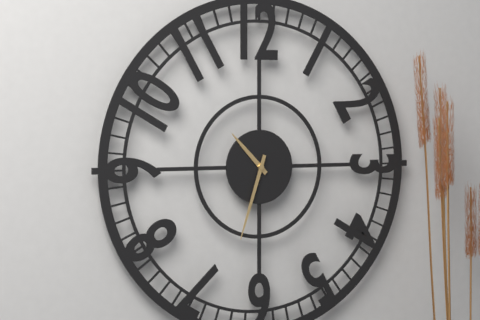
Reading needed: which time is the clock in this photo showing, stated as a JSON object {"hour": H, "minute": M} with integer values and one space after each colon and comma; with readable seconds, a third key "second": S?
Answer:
{"hour": 10, "minute": 33}
